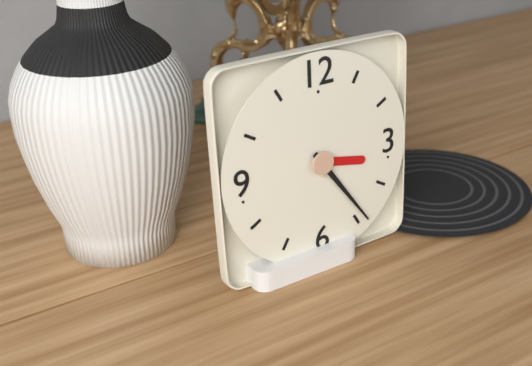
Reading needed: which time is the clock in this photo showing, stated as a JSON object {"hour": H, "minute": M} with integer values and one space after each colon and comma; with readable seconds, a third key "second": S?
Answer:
{"hour": 3, "minute": 24}
